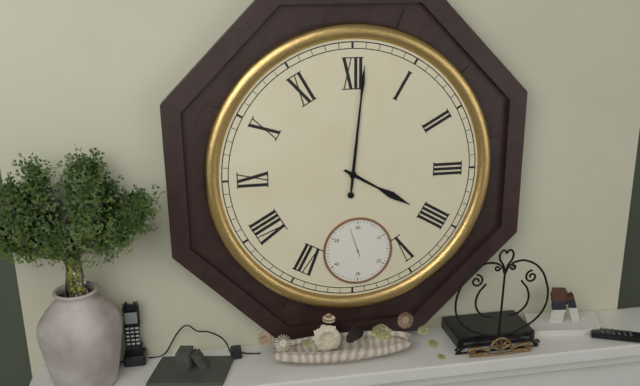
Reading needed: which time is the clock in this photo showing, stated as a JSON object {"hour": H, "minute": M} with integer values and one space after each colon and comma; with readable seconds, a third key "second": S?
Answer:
{"hour": 4, "minute": 1}
